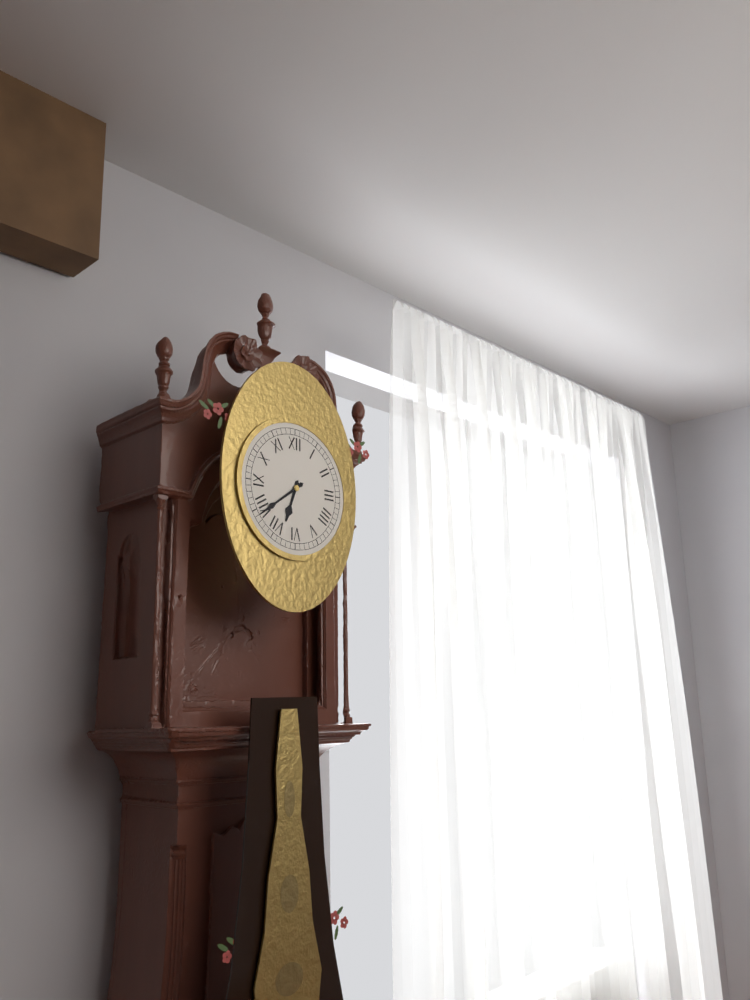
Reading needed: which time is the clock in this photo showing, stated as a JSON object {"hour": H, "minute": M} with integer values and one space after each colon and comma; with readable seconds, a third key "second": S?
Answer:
{"hour": 6, "minute": 39}
